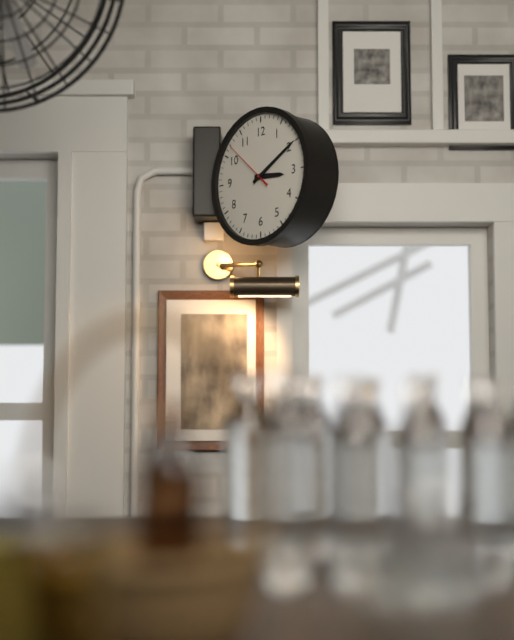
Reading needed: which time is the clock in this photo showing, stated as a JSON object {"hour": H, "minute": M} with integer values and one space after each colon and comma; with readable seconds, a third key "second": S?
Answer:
{"hour": 3, "minute": 10, "second": 52}
